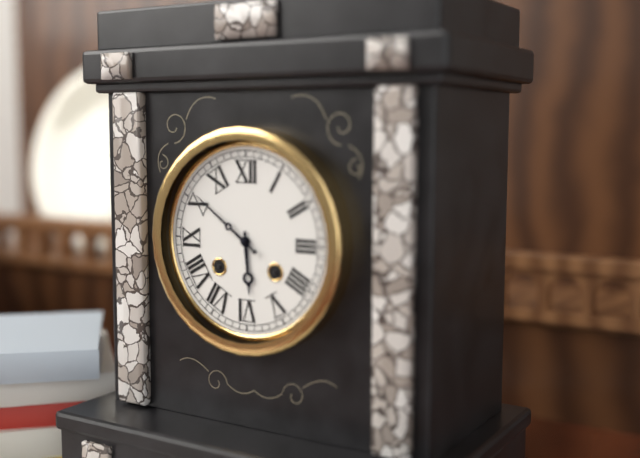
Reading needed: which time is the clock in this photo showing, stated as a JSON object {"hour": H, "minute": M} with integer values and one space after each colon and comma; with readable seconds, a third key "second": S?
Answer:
{"hour": 5, "minute": 51}
